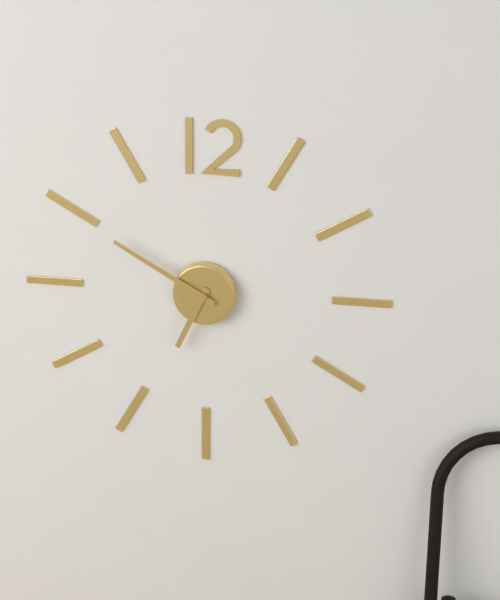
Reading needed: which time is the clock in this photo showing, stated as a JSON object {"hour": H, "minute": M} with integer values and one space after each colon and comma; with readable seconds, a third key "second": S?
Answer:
{"hour": 6, "minute": 50}
